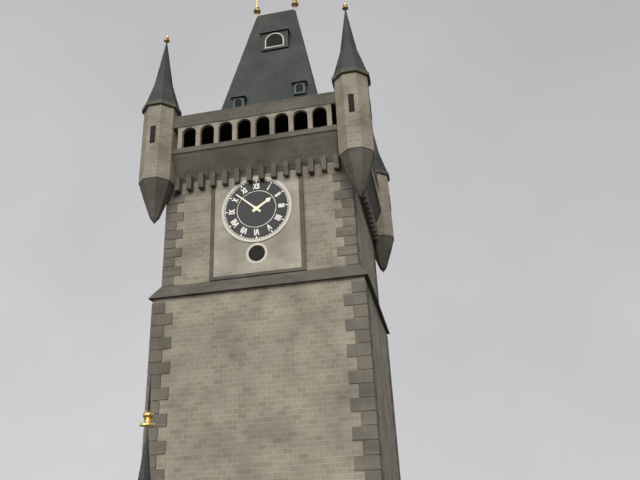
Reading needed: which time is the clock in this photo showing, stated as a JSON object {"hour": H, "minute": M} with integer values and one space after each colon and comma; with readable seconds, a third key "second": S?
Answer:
{"hour": 1, "minute": 52}
